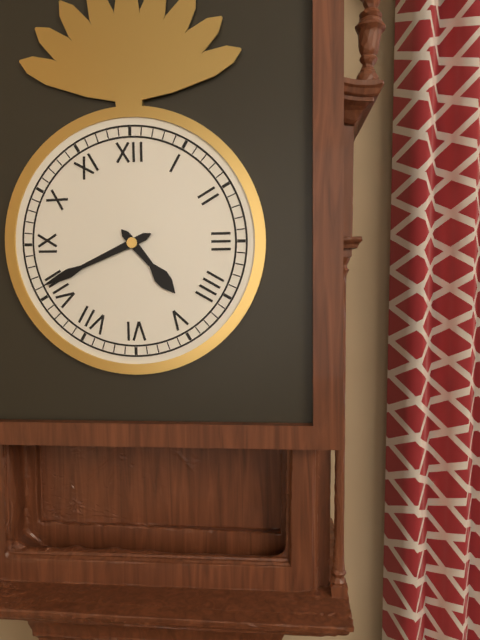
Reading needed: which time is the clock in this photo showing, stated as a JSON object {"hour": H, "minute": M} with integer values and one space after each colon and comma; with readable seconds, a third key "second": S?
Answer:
{"hour": 4, "minute": 41}
